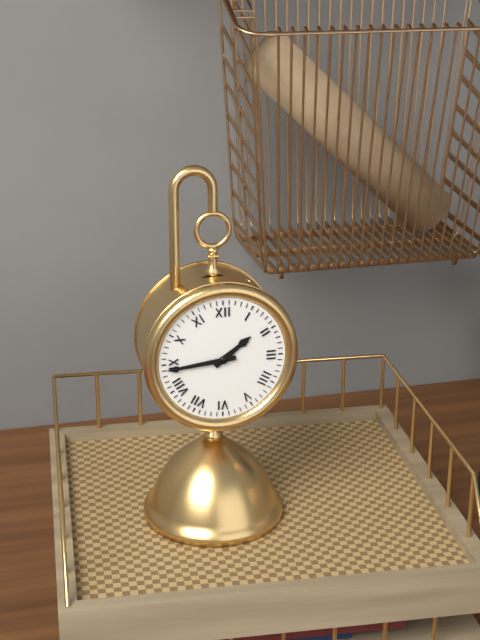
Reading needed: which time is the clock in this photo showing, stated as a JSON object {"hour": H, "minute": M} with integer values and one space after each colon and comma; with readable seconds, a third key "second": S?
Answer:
{"hour": 1, "minute": 44}
